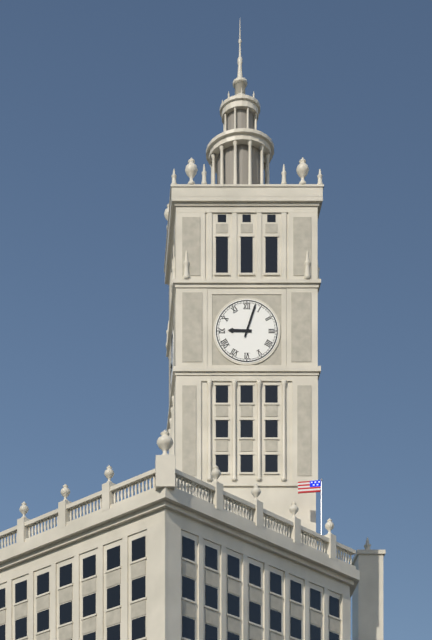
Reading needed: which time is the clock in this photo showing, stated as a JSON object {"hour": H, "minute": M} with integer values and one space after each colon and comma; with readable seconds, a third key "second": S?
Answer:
{"hour": 9, "minute": 3}
